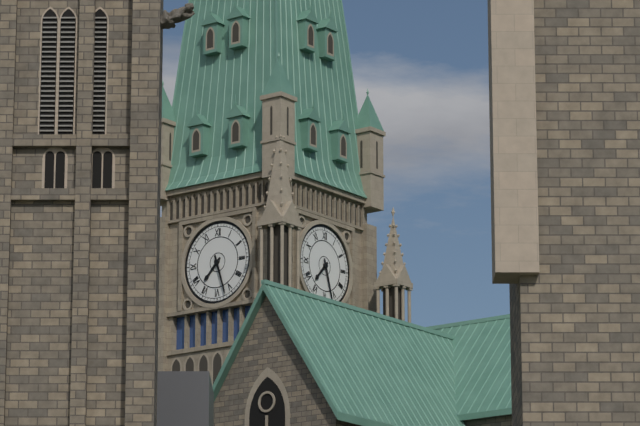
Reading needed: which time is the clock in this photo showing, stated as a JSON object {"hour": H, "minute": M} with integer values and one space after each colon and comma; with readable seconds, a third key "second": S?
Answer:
{"hour": 7, "minute": 27}
